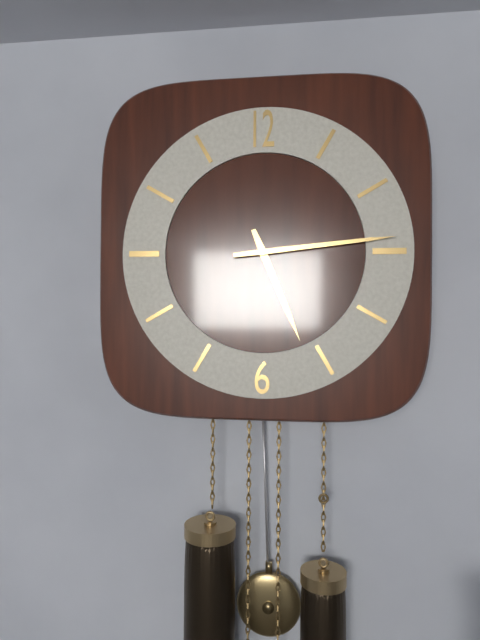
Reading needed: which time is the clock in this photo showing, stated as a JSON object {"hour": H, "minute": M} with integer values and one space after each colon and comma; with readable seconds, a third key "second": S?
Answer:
{"hour": 5, "minute": 14}
